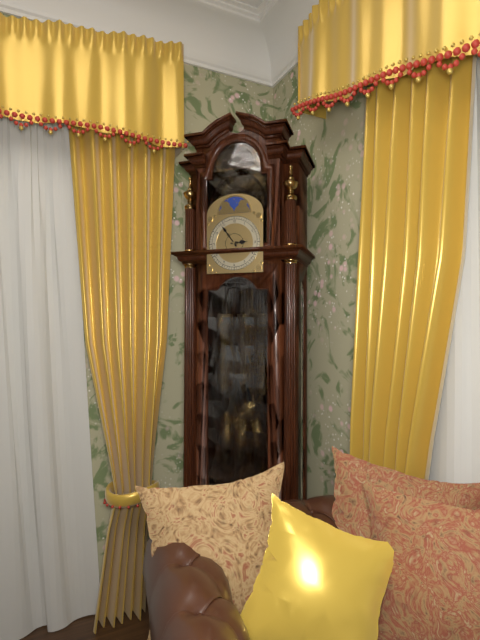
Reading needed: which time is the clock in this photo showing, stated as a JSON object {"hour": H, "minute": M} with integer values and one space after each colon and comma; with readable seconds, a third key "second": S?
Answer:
{"hour": 2, "minute": 54}
